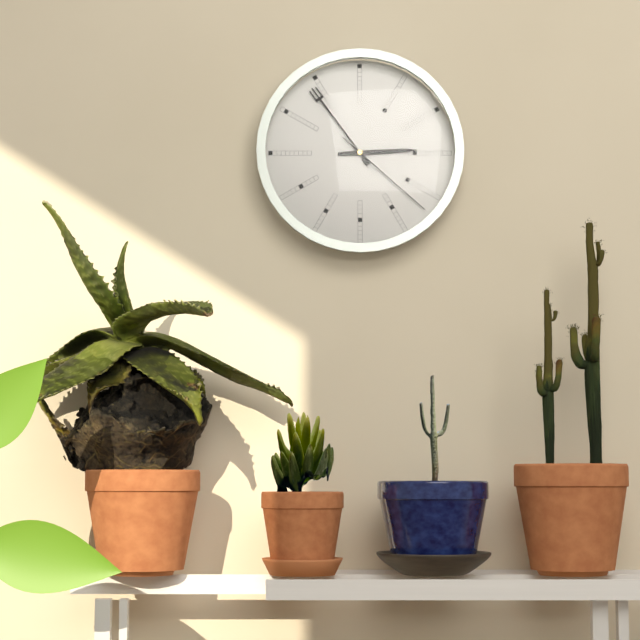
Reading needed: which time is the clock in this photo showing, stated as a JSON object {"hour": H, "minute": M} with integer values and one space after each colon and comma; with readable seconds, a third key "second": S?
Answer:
{"hour": 2, "minute": 54, "second": 22}
